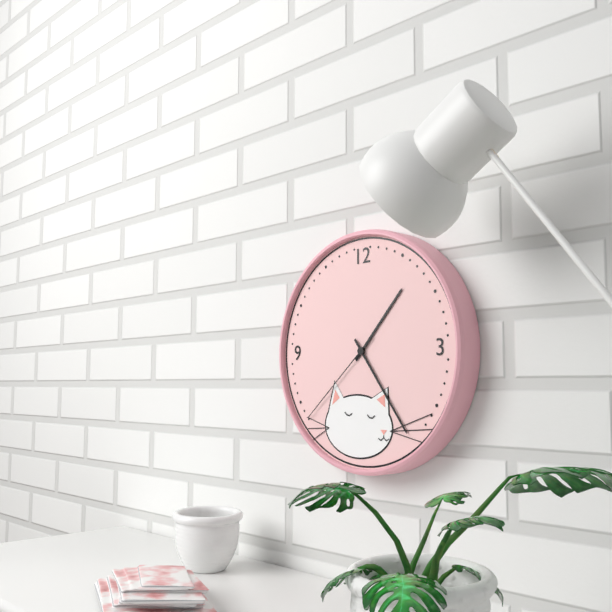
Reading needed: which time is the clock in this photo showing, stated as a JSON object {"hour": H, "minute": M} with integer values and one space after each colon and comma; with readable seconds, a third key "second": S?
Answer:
{"hour": 1, "minute": 24, "second": 38}
